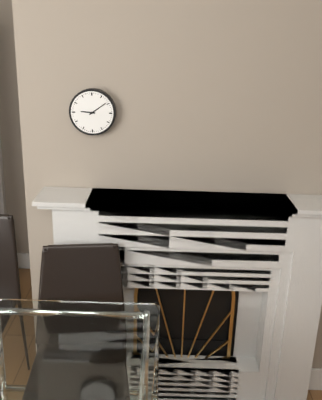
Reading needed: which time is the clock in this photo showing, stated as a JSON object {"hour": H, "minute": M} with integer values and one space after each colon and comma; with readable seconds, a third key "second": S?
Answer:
{"hour": 9, "minute": 9}
